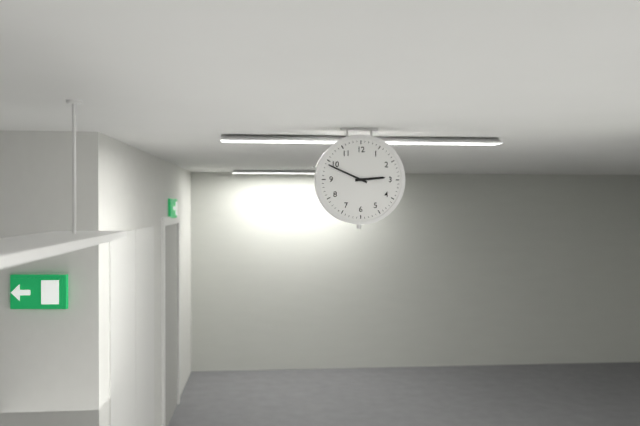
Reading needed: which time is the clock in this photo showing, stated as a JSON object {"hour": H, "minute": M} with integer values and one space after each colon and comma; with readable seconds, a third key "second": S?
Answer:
{"hour": 2, "minute": 49}
